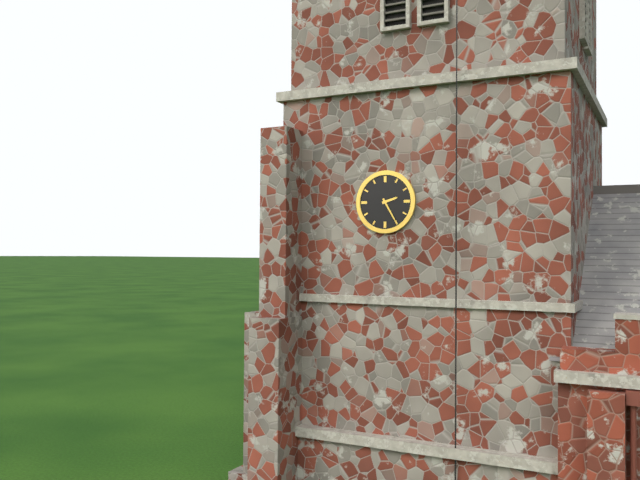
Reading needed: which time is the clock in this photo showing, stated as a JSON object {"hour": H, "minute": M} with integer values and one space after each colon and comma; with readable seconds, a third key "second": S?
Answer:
{"hour": 2, "minute": 25}
